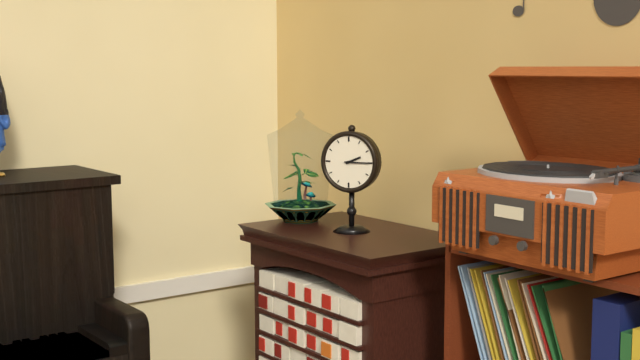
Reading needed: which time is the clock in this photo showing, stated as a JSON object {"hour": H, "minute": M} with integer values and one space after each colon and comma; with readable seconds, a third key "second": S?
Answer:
{"hour": 2, "minute": 15}
